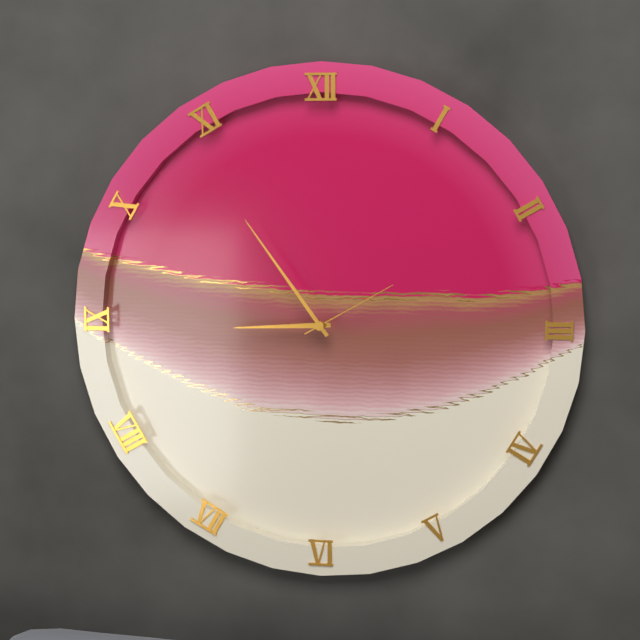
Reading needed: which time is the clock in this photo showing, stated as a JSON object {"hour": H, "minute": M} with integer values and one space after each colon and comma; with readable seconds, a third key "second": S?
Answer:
{"hour": 8, "minute": 54, "second": 10}
